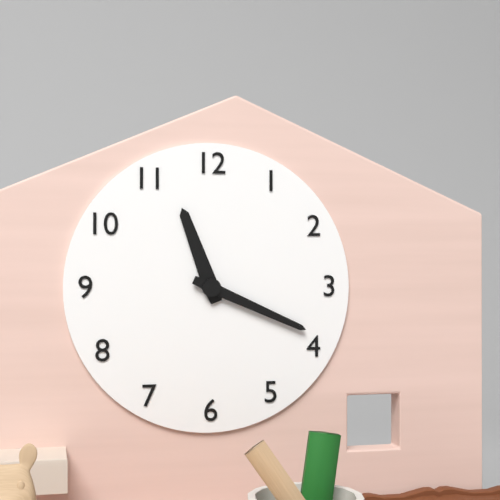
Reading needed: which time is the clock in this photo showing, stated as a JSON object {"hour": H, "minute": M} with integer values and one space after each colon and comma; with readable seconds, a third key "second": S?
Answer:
{"hour": 11, "minute": 19}
